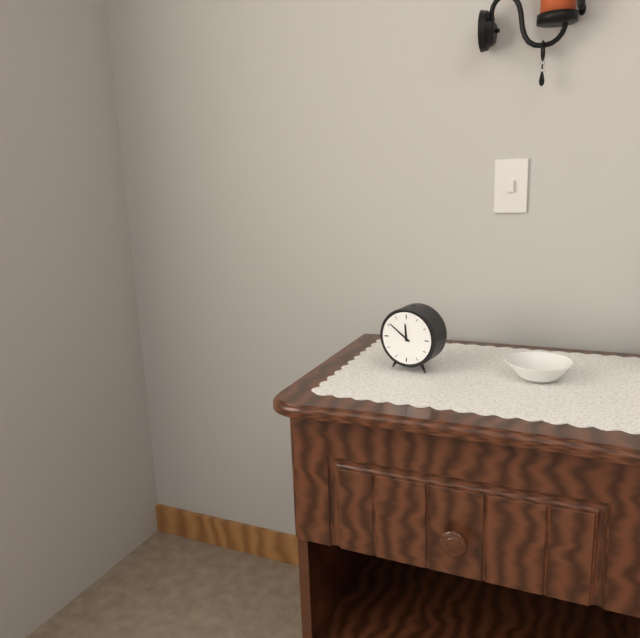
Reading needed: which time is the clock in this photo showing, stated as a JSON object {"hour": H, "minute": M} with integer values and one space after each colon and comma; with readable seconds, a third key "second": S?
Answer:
{"hour": 11, "minute": 51}
